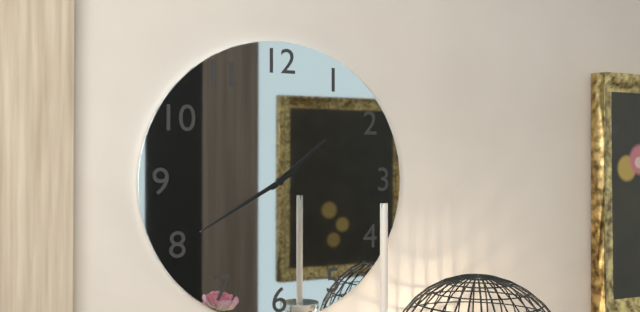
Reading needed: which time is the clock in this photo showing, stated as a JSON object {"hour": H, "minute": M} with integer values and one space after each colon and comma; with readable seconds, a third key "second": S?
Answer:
{"hour": 1, "minute": 40}
